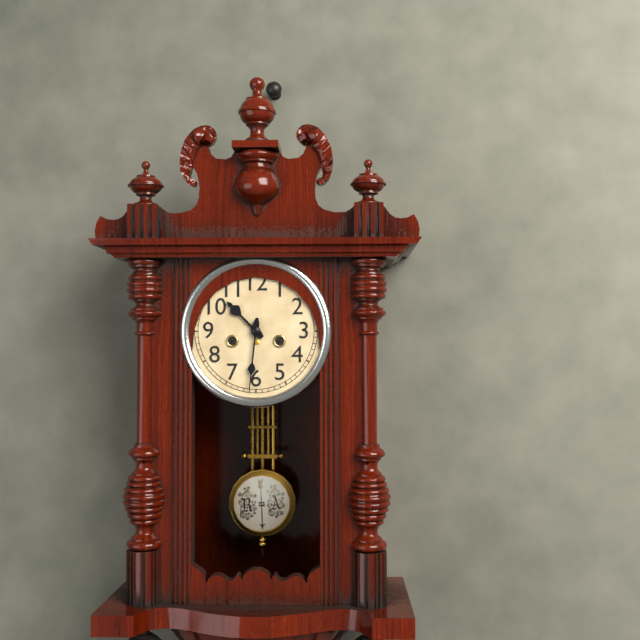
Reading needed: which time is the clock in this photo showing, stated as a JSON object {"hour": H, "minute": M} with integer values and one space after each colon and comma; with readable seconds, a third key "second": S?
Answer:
{"hour": 10, "minute": 31}
